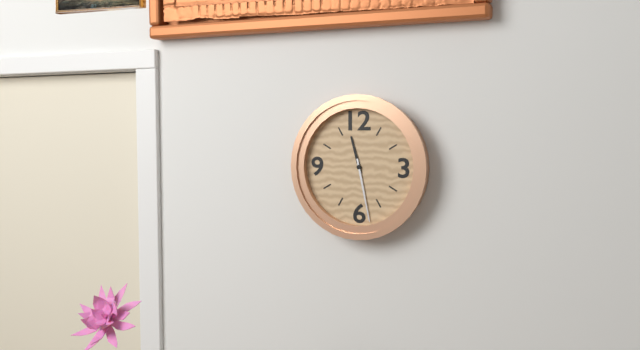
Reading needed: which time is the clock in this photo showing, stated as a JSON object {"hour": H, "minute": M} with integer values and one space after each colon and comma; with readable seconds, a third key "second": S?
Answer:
{"hour": 11, "minute": 28}
